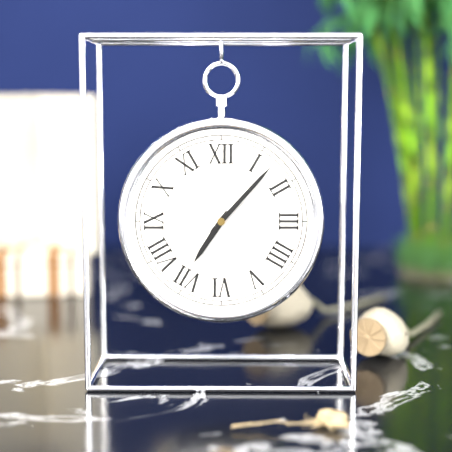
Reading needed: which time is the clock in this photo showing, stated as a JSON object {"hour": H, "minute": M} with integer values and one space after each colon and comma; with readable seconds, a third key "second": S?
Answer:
{"hour": 7, "minute": 7}
